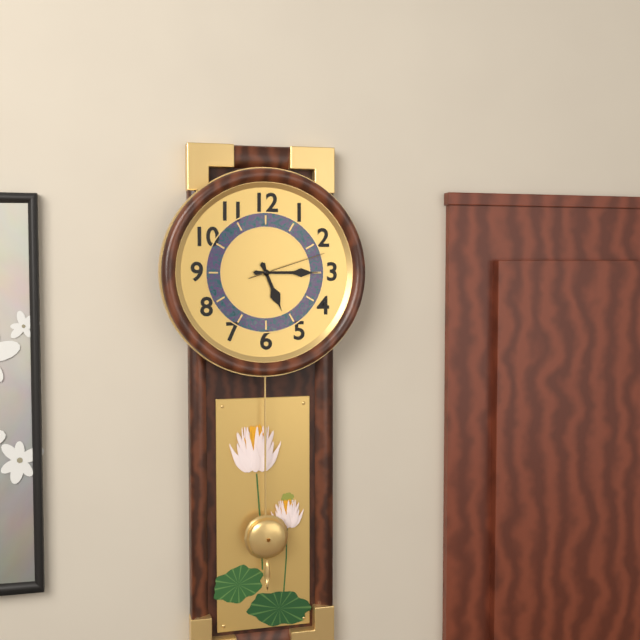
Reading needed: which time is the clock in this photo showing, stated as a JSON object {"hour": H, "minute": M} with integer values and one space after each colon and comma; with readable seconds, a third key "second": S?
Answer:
{"hour": 5, "minute": 15, "second": 12}
